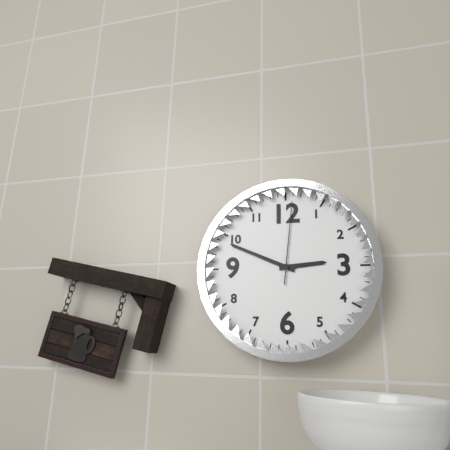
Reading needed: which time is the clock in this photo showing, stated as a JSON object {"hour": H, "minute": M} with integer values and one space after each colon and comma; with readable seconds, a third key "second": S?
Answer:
{"hour": 2, "minute": 49, "second": 1}
